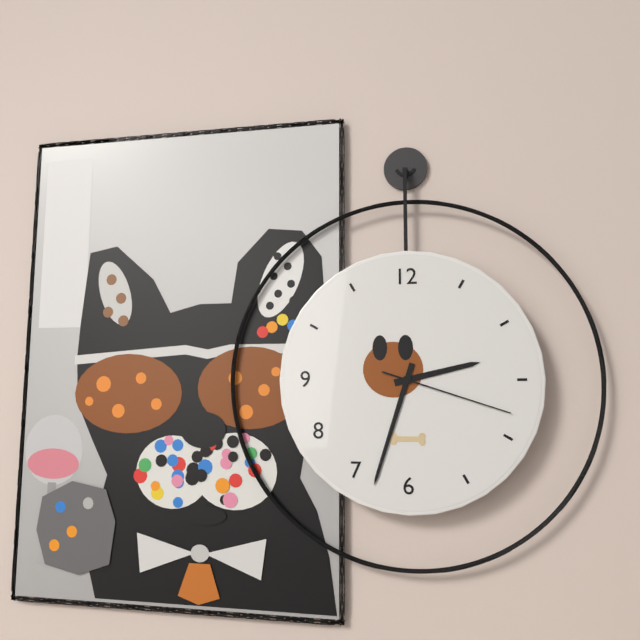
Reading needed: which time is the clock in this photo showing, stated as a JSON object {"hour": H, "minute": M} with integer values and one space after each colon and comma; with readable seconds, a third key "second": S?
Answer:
{"hour": 2, "minute": 33, "second": 18}
